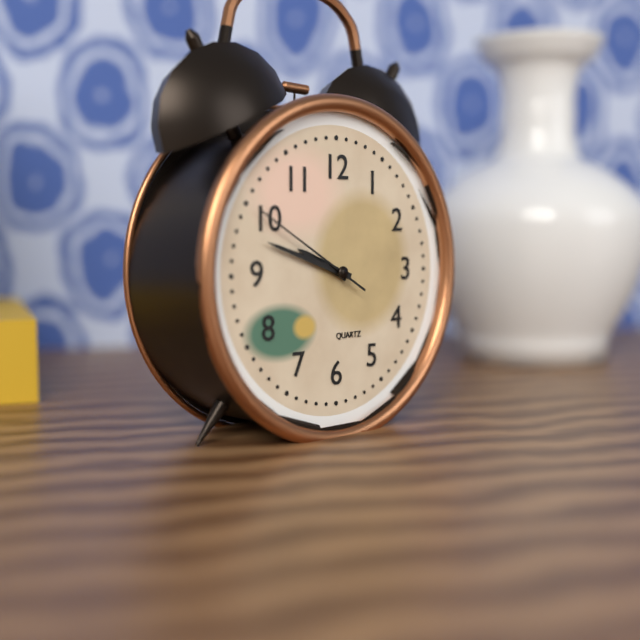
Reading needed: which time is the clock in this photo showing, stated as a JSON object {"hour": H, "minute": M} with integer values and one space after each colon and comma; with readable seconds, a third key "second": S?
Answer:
{"hour": 9, "minute": 48, "second": 50}
